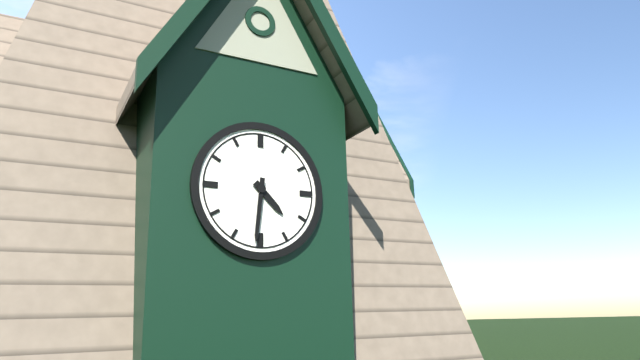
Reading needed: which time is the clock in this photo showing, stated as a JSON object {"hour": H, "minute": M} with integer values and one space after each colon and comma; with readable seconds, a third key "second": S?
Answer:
{"hour": 4, "minute": 31}
